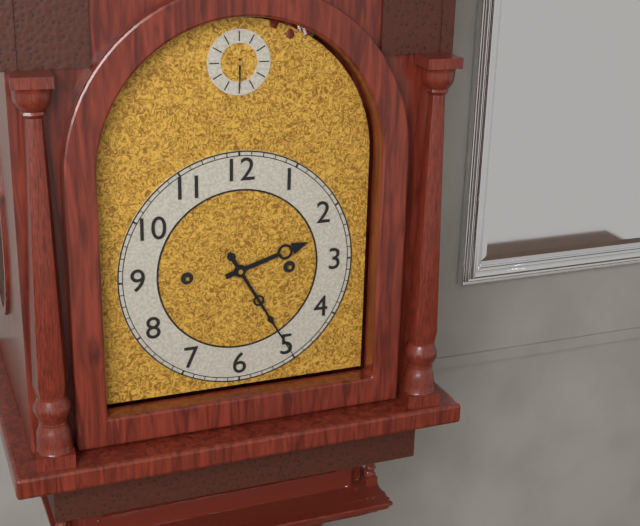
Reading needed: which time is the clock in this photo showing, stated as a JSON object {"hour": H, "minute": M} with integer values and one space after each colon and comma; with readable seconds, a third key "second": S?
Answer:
{"hour": 2, "minute": 25}
